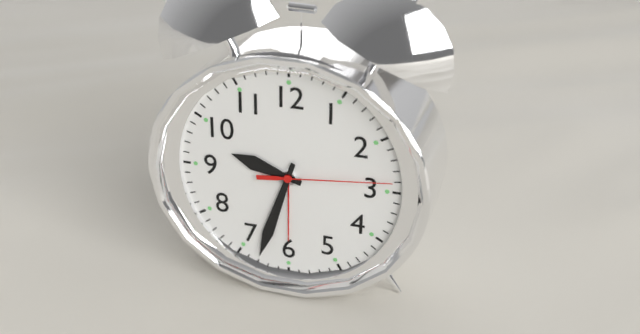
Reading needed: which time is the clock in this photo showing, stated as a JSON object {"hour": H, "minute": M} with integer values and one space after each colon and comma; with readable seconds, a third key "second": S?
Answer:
{"hour": 9, "minute": 33, "second": 14}
